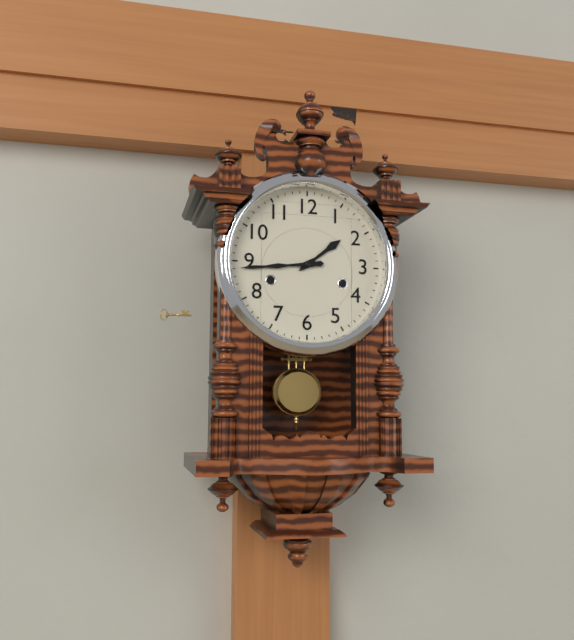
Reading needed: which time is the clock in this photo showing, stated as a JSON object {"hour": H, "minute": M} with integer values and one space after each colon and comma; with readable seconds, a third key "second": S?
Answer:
{"hour": 1, "minute": 44}
